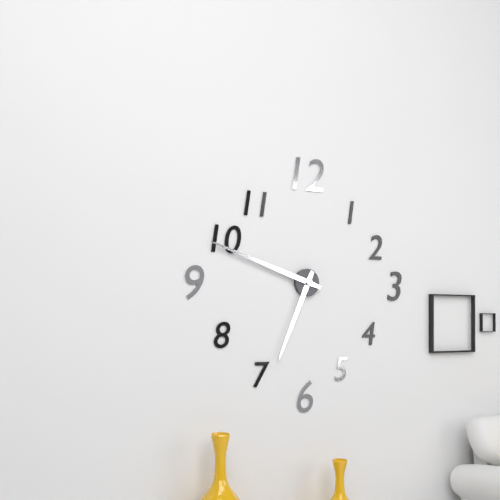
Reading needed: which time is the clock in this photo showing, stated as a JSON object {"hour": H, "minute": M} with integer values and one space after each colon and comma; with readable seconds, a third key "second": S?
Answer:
{"hour": 6, "minute": 48}
